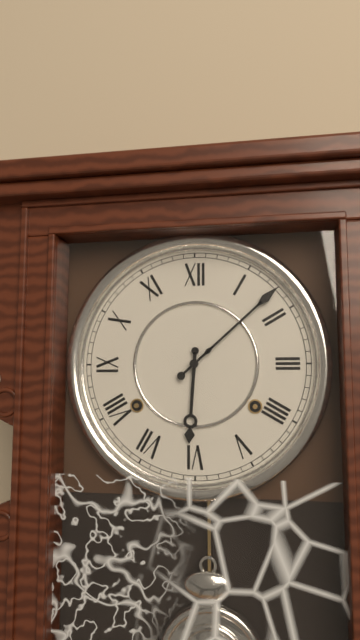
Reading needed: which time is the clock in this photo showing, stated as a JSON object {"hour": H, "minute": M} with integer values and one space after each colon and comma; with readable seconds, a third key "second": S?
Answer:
{"hour": 6, "minute": 8}
